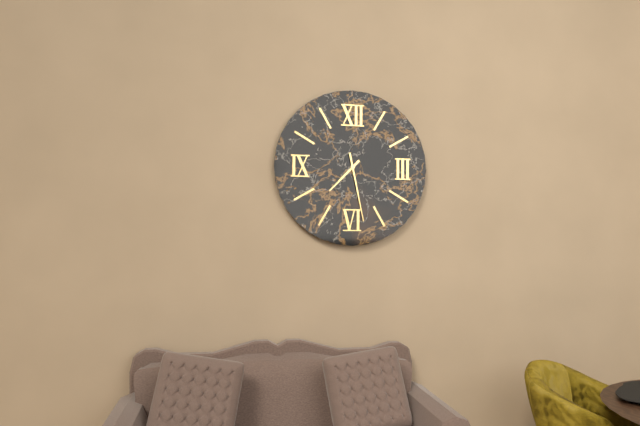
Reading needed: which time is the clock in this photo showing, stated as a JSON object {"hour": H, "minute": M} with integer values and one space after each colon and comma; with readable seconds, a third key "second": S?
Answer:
{"hour": 7, "minute": 28}
